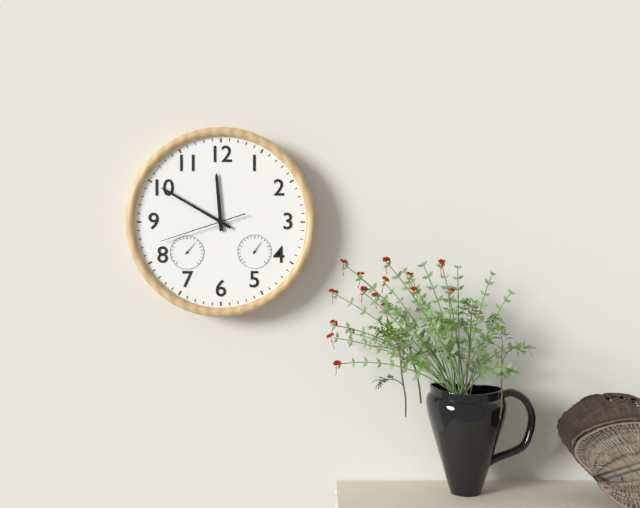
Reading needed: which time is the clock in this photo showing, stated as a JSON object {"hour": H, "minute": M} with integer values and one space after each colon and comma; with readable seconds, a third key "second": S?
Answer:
{"hour": 11, "minute": 50, "second": 42}
